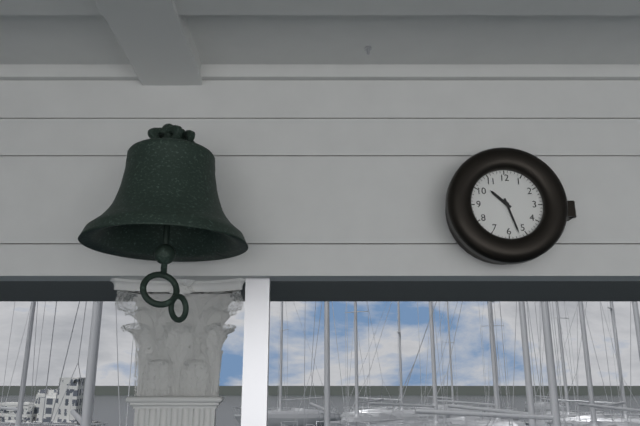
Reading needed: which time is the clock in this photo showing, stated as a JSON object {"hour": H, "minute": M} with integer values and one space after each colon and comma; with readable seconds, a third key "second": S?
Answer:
{"hour": 10, "minute": 27}
